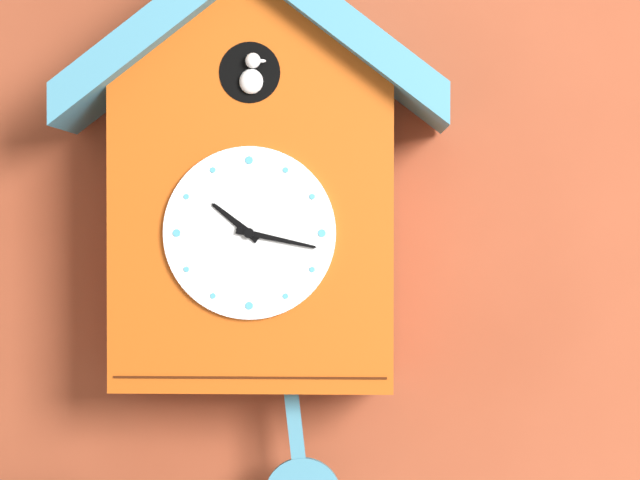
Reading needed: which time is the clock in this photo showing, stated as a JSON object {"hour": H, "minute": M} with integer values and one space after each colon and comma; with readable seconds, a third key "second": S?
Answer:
{"hour": 10, "minute": 17}
